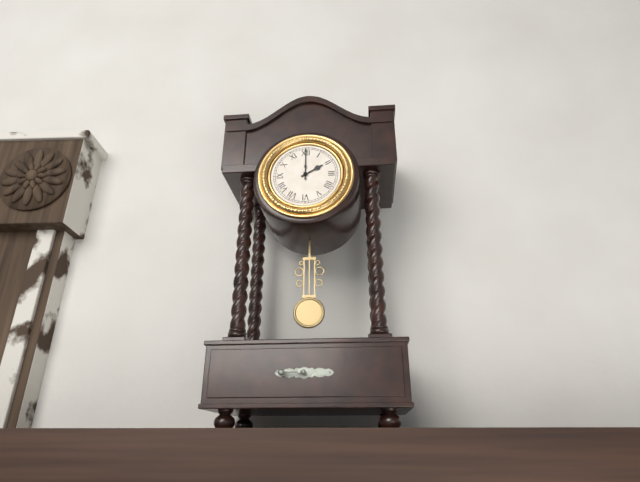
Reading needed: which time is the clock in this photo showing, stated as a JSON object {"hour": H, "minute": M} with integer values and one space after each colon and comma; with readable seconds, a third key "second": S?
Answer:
{"hour": 2, "minute": 0}
